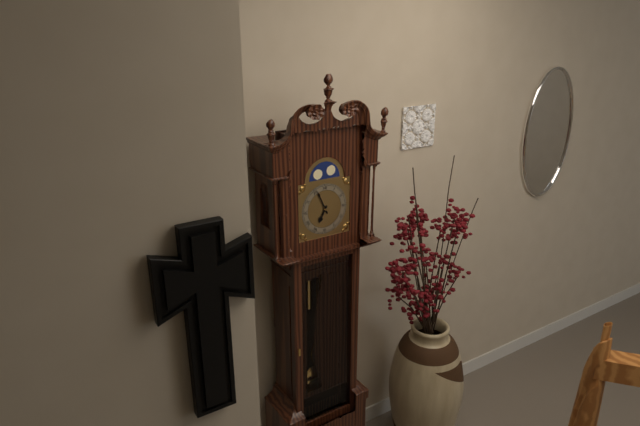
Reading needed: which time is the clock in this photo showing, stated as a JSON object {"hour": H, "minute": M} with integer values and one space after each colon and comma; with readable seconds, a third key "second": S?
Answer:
{"hour": 6, "minute": 56}
